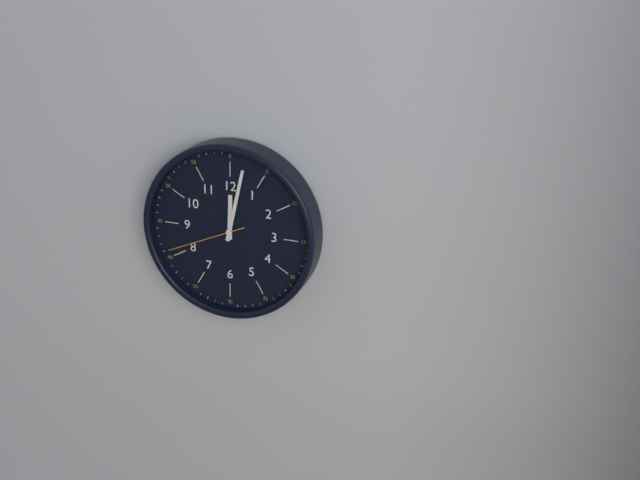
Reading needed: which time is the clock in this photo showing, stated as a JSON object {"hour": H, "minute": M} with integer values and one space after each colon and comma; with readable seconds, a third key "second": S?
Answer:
{"hour": 12, "minute": 2, "second": 41}
